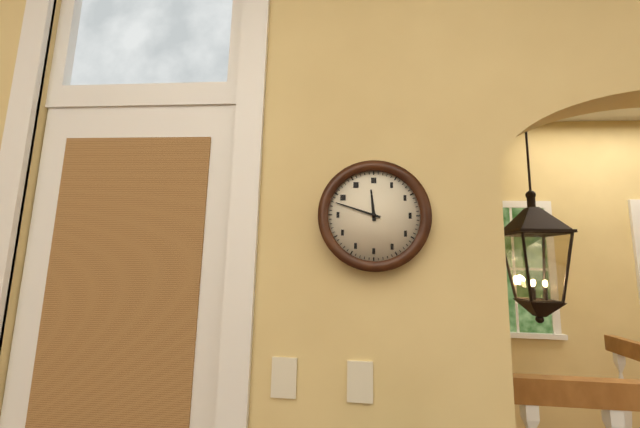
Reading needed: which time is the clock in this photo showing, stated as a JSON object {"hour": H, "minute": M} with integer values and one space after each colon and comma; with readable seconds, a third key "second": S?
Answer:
{"hour": 11, "minute": 48}
